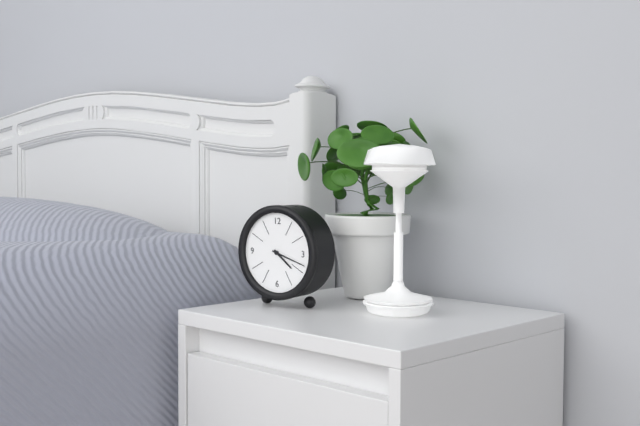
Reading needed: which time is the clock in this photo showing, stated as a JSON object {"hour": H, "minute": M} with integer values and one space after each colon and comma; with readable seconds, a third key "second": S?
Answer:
{"hour": 4, "minute": 18}
